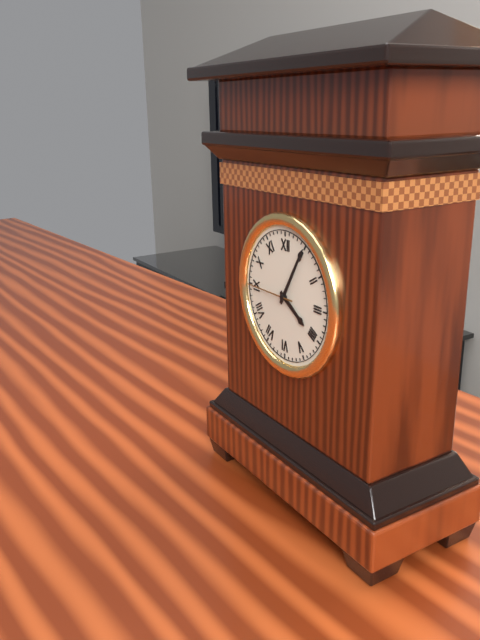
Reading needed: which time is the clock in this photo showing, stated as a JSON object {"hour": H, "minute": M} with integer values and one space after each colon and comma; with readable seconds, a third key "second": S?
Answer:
{"hour": 4, "minute": 5}
